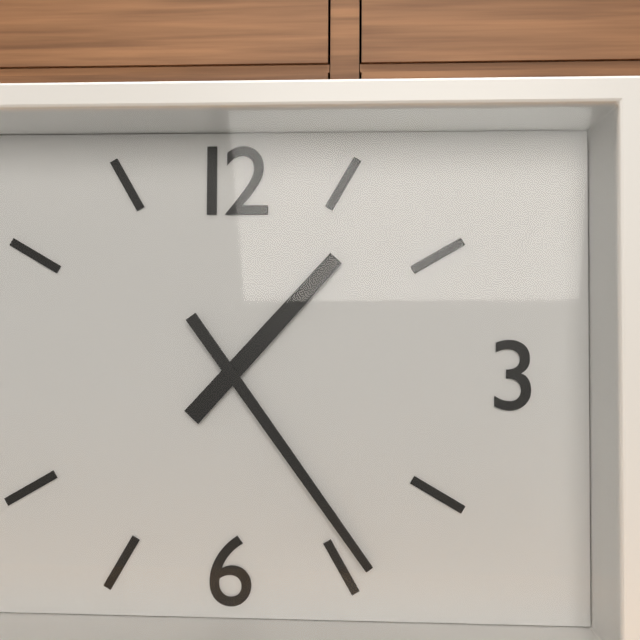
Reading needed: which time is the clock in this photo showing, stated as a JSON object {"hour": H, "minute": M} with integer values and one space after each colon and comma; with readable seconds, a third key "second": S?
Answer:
{"hour": 1, "minute": 24}
